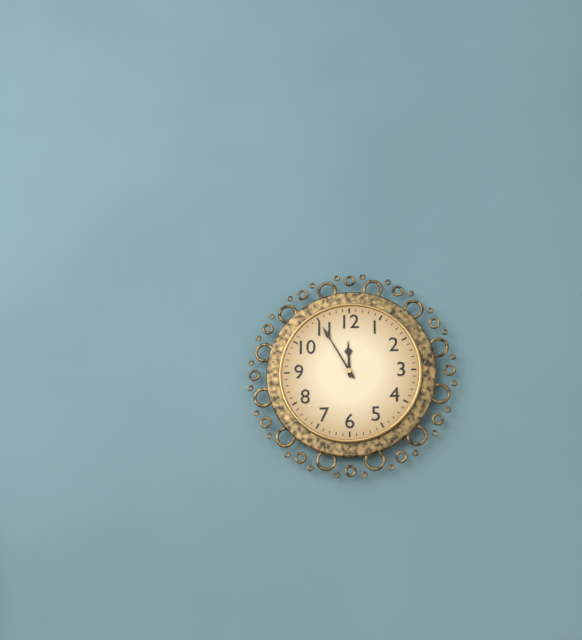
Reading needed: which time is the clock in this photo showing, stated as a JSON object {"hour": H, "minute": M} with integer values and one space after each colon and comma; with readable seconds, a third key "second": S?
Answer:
{"hour": 11, "minute": 55}
